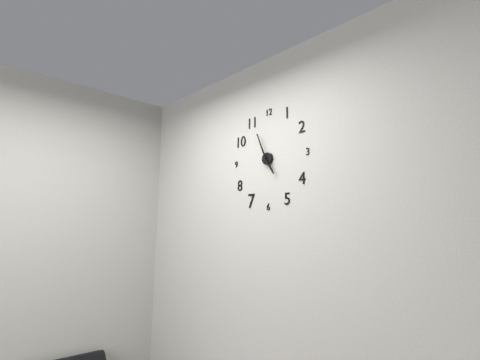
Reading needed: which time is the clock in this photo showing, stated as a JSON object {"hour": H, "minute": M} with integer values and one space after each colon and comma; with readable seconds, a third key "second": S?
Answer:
{"hour": 4, "minute": 56}
